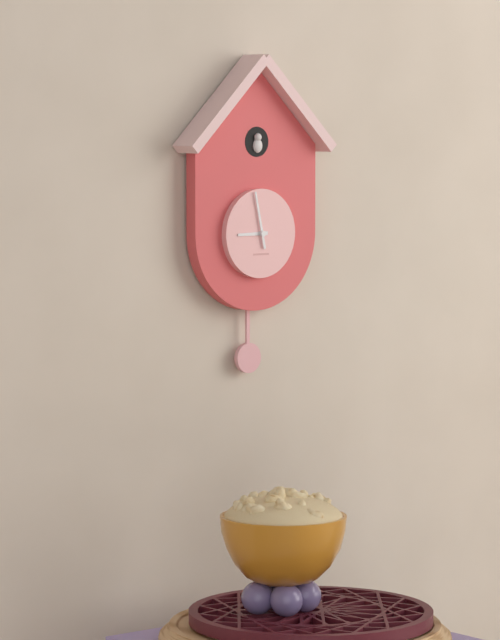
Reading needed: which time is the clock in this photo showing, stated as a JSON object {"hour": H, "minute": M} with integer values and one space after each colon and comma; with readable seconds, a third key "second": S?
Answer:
{"hour": 8, "minute": 58}
